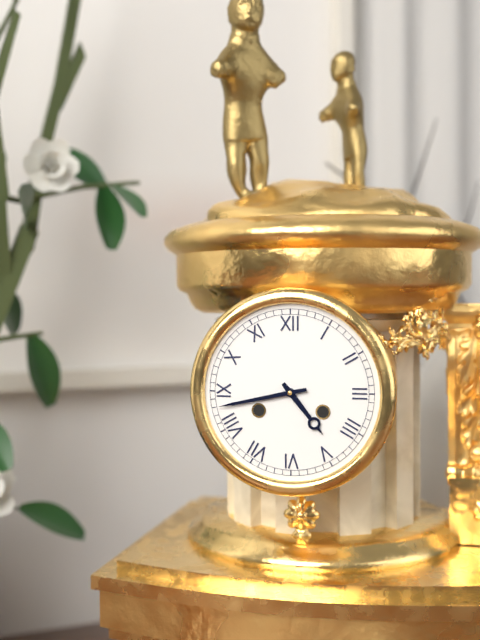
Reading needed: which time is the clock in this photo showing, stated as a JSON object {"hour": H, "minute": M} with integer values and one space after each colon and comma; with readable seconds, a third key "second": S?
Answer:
{"hour": 4, "minute": 43}
